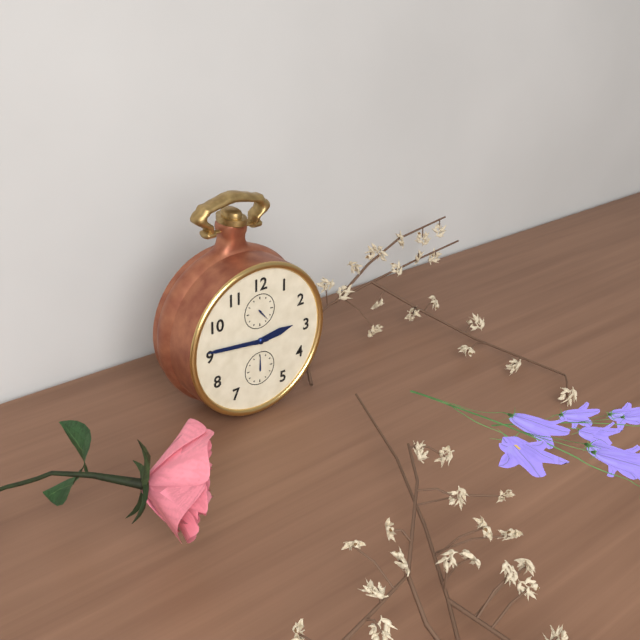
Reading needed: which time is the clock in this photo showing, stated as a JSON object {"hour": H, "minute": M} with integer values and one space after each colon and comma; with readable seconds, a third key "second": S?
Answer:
{"hour": 2, "minute": 46}
